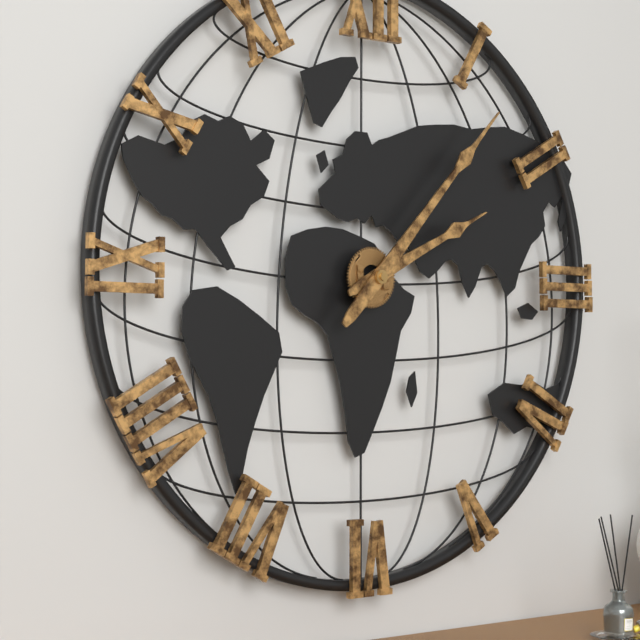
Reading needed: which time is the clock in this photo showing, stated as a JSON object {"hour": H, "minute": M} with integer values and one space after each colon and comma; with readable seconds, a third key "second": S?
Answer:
{"hour": 2, "minute": 7}
